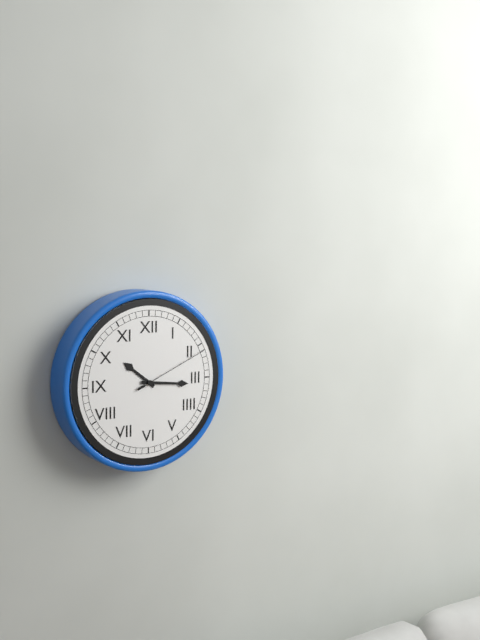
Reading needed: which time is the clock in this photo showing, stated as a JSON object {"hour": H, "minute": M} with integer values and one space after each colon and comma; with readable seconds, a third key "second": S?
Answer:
{"hour": 10, "minute": 16, "second": 11}
